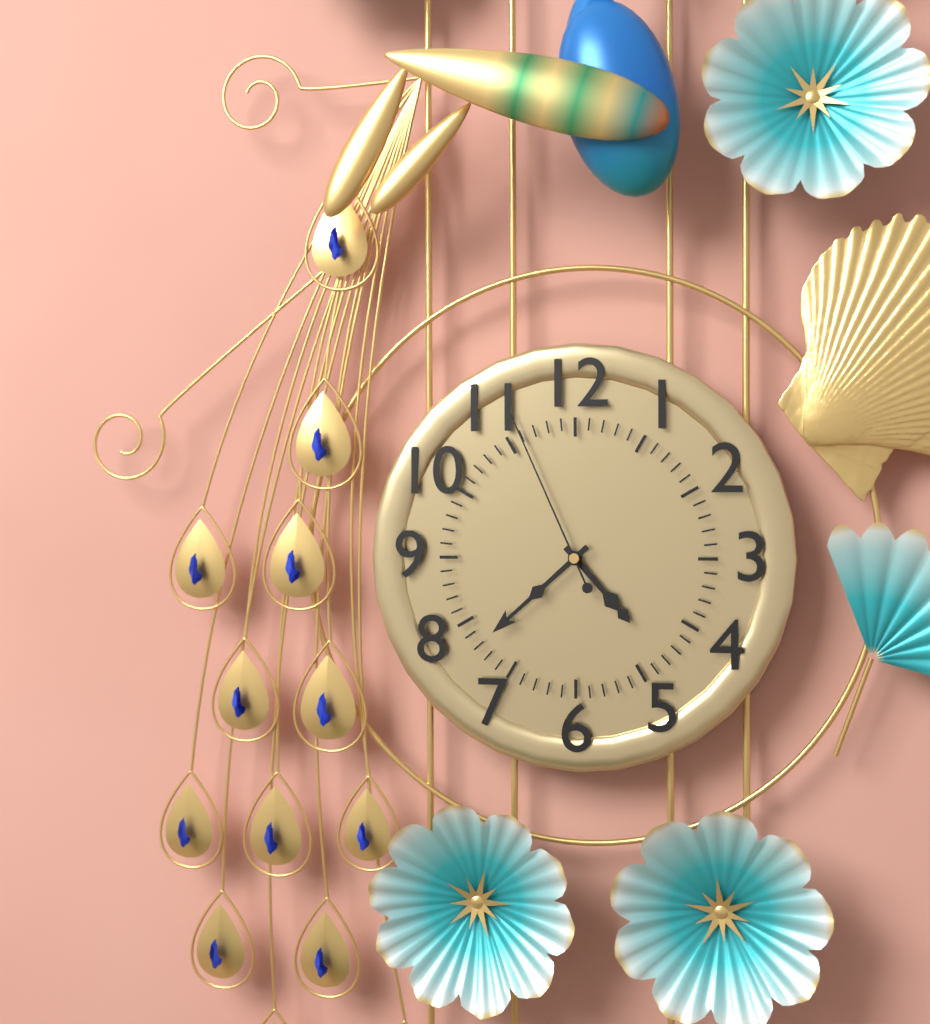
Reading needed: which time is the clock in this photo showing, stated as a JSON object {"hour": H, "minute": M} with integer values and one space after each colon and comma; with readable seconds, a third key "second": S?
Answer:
{"hour": 4, "minute": 38, "second": 56}
